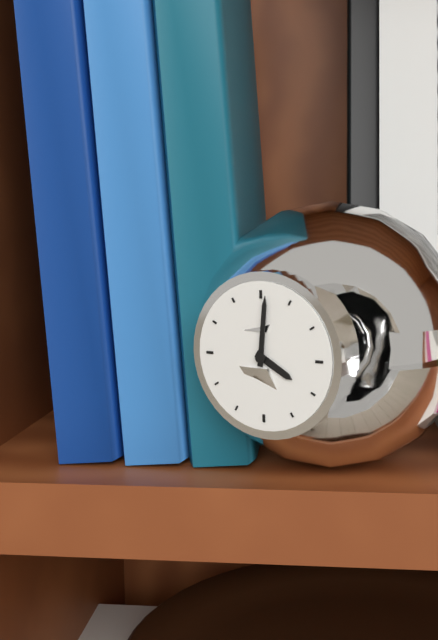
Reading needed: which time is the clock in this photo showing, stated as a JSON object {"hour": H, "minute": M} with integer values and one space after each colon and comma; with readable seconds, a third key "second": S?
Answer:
{"hour": 4, "minute": 1}
